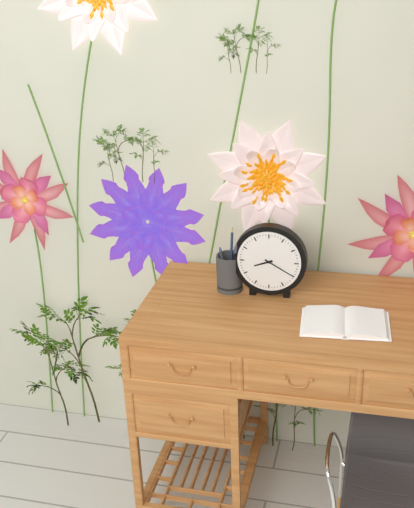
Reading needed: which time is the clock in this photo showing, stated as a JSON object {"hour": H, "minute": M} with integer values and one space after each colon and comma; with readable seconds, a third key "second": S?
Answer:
{"hour": 8, "minute": 20}
